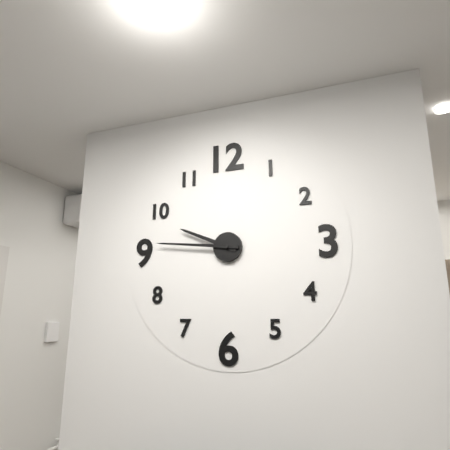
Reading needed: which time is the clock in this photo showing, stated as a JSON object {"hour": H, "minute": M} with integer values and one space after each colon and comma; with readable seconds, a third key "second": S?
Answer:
{"hour": 9, "minute": 46}
